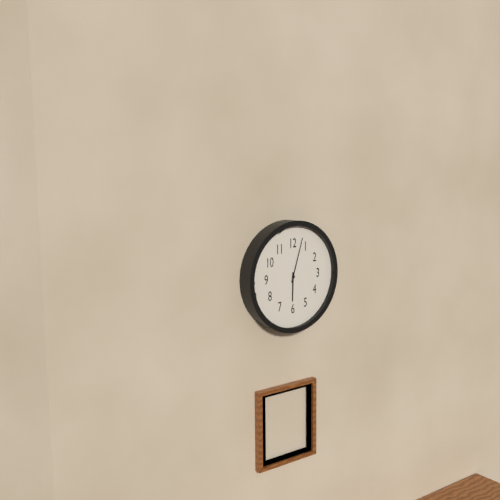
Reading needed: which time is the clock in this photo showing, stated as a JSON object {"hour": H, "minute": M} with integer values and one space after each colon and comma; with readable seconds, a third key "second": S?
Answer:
{"hour": 6, "minute": 3}
